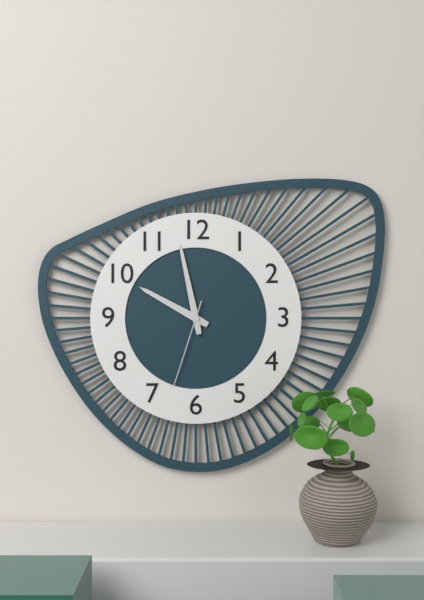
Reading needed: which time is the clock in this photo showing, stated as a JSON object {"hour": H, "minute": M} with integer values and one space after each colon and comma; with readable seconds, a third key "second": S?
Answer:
{"hour": 9, "minute": 58, "second": 33}
